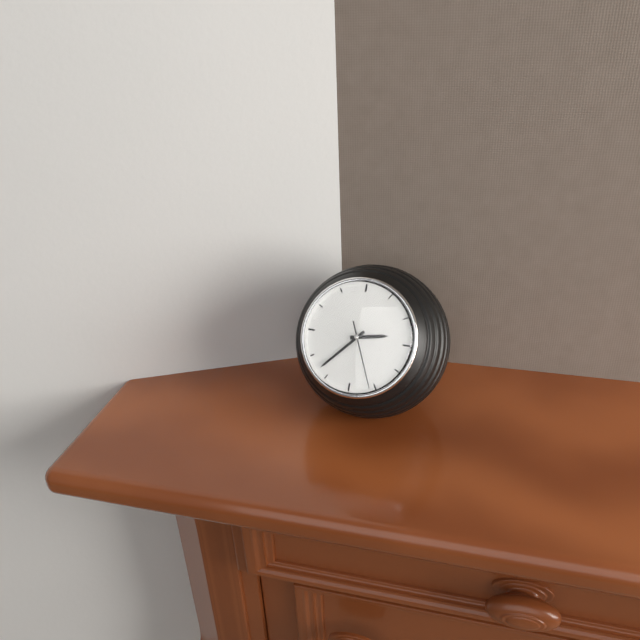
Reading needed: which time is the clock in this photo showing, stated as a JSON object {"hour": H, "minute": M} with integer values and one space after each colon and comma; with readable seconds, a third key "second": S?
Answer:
{"hour": 2, "minute": 37, "second": 26}
